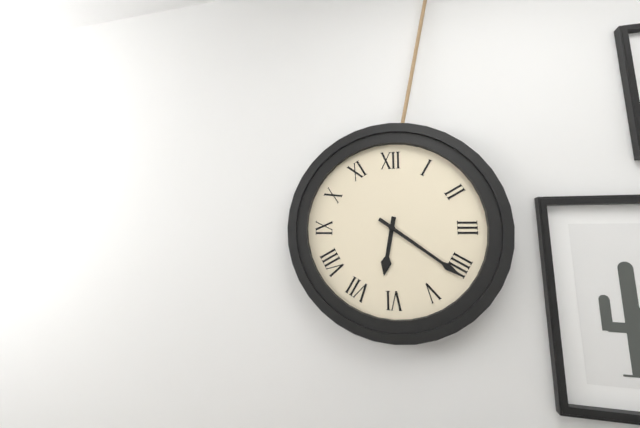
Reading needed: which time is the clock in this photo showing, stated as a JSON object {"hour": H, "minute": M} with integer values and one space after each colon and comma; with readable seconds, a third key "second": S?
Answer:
{"hour": 6, "minute": 21}
